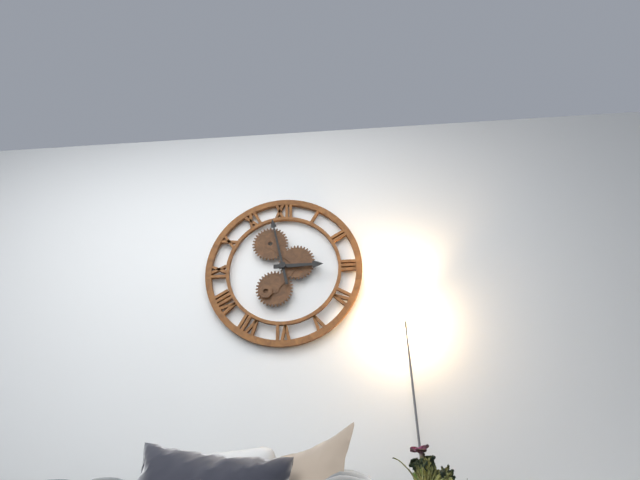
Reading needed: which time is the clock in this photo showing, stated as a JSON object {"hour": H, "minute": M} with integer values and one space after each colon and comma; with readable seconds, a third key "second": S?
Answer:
{"hour": 2, "minute": 58}
